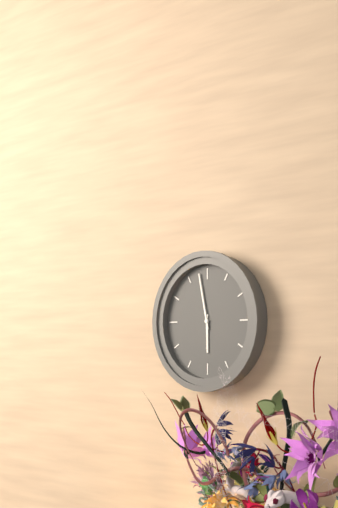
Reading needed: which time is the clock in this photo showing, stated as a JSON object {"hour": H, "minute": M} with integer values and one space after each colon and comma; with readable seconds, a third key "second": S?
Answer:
{"hour": 5, "minute": 58}
